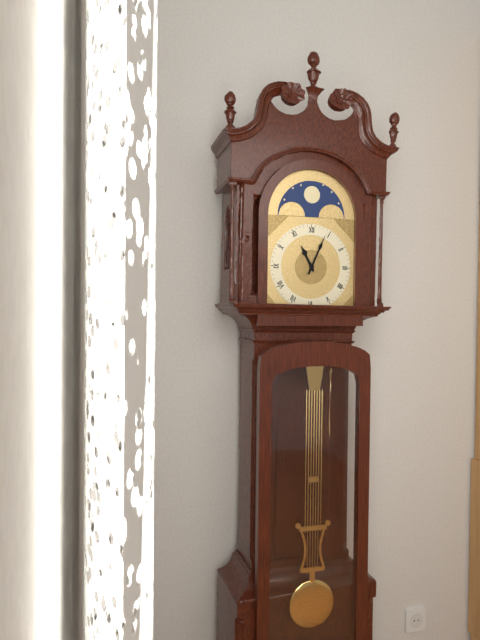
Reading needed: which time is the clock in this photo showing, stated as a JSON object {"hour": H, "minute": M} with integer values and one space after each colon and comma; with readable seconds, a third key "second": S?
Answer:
{"hour": 11, "minute": 4}
